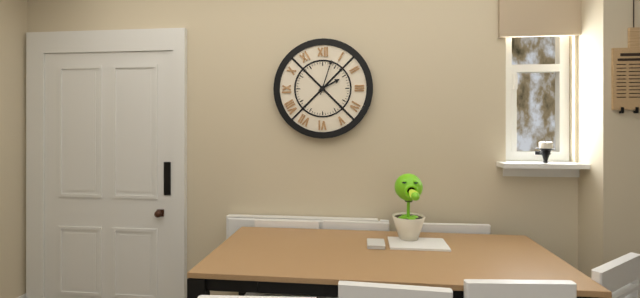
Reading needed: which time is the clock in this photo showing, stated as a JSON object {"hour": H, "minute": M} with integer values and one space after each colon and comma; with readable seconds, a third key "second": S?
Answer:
{"hour": 2, "minute": 3}
